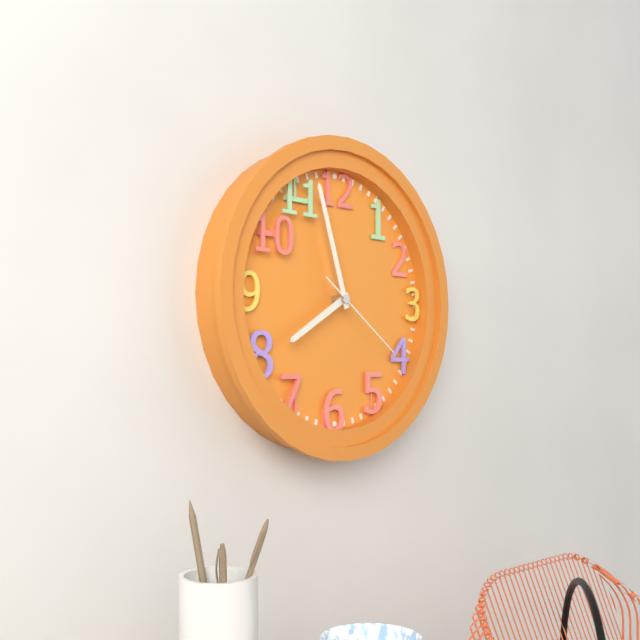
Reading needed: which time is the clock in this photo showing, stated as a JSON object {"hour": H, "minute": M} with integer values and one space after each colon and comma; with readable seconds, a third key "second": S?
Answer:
{"hour": 7, "minute": 57, "second": 21}
